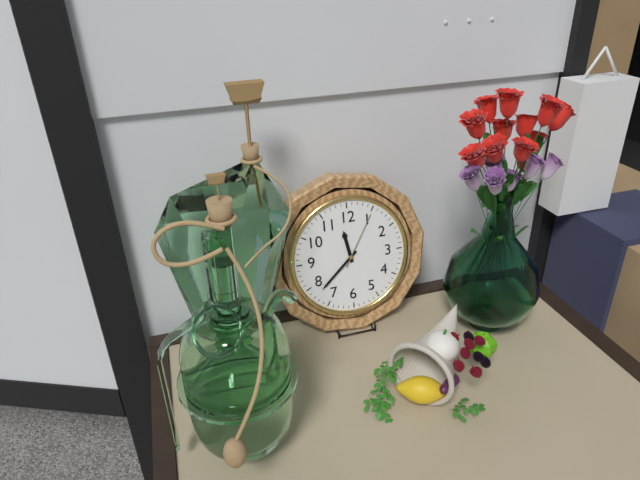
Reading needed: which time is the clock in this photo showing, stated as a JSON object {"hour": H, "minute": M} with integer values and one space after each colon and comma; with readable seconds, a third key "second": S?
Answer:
{"hour": 11, "minute": 38, "second": 5}
